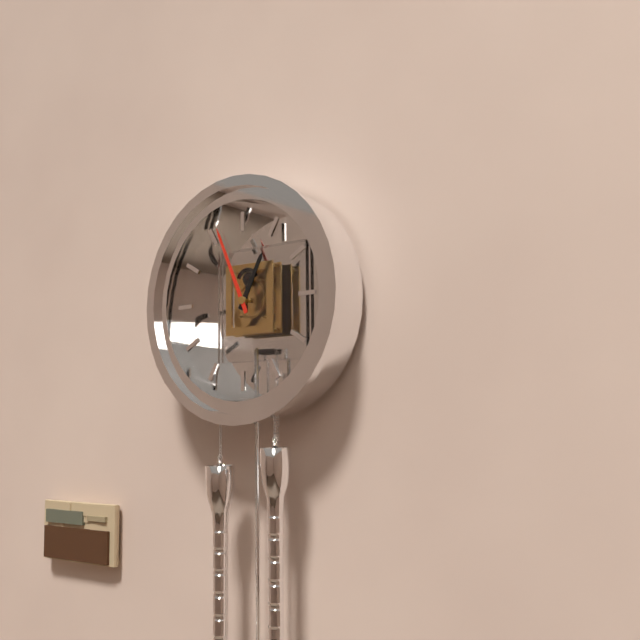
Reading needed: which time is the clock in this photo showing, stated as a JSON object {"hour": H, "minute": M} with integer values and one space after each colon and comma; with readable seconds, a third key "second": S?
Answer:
{"hour": 12, "minute": 56}
